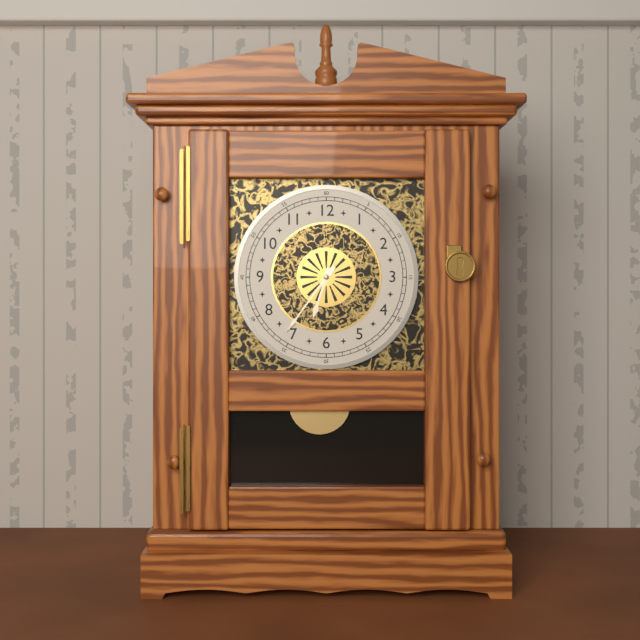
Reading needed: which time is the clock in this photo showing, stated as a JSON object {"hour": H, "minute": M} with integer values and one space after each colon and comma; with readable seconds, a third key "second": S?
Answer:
{"hour": 6, "minute": 36}
